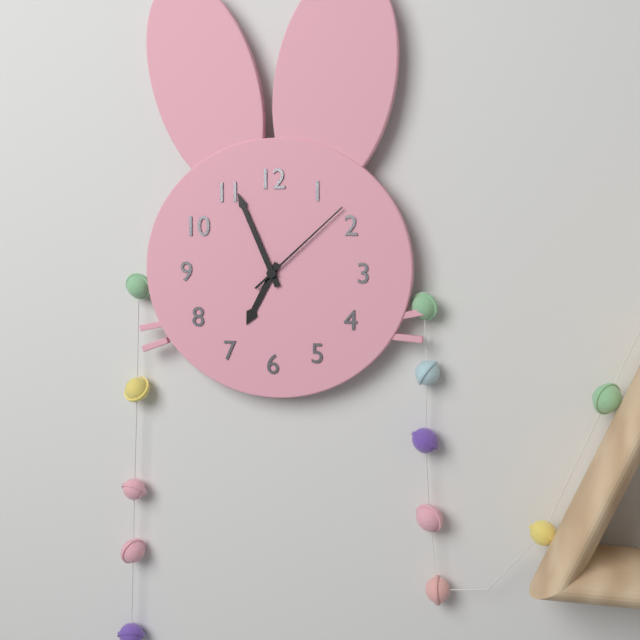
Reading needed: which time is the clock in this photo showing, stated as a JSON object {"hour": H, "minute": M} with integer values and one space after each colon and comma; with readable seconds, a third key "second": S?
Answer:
{"hour": 6, "minute": 56, "second": 8}
